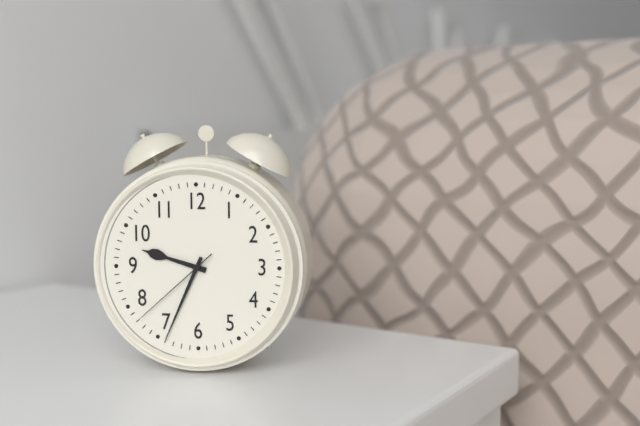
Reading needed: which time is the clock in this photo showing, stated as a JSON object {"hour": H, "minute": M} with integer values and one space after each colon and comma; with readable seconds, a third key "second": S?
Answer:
{"hour": 9, "minute": 34, "second": 38}
